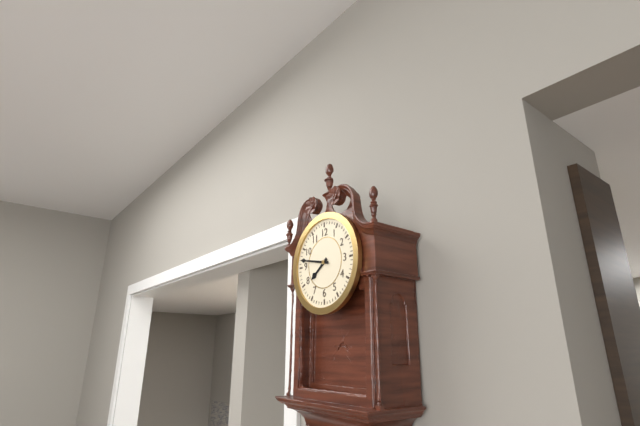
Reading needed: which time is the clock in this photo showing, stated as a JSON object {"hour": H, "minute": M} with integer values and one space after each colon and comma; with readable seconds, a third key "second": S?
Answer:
{"hour": 7, "minute": 47}
